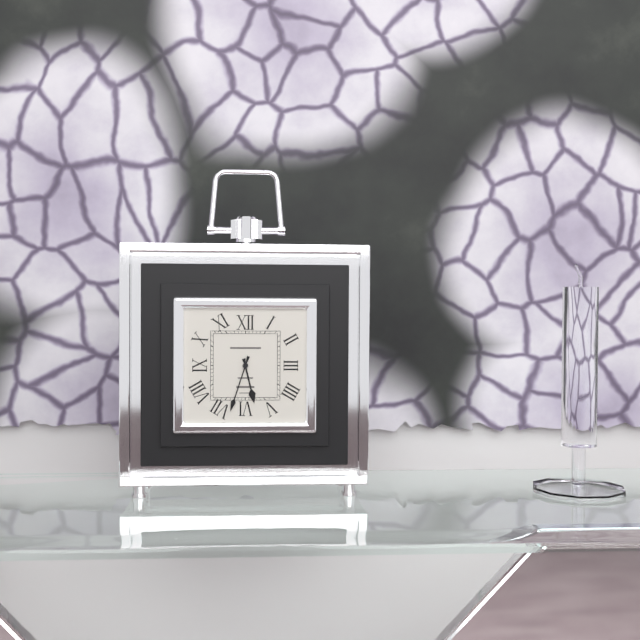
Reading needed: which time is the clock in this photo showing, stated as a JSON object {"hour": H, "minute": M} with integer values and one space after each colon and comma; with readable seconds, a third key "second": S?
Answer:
{"hour": 5, "minute": 33}
